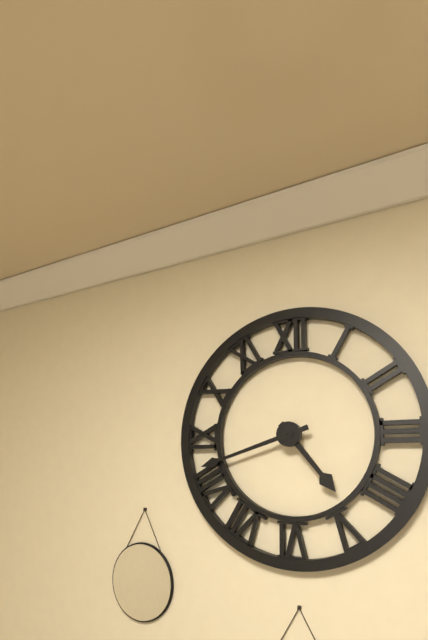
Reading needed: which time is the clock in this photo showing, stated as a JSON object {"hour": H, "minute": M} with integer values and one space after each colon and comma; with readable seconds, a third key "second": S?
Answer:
{"hour": 4, "minute": 42}
